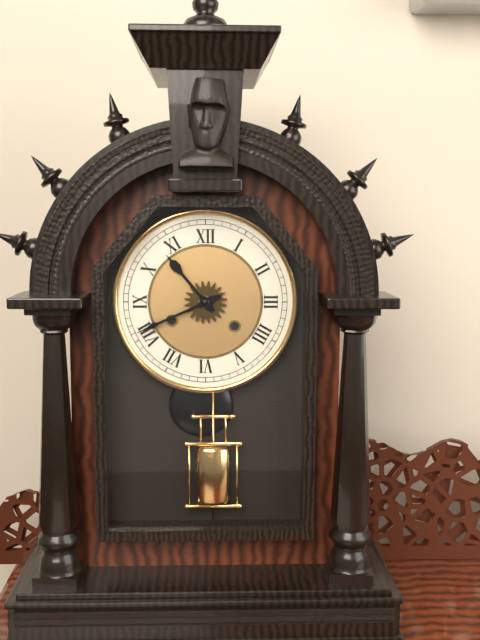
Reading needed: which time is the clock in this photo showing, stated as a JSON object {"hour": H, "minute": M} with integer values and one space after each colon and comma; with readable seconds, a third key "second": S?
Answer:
{"hour": 10, "minute": 41}
